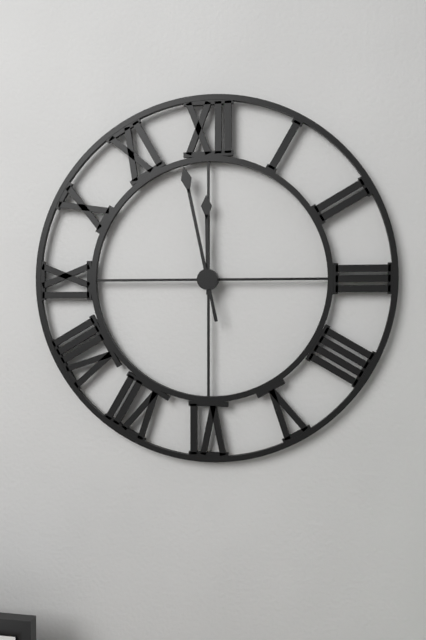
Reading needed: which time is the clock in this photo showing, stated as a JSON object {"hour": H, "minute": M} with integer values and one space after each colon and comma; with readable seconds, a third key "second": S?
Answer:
{"hour": 11, "minute": 58}
